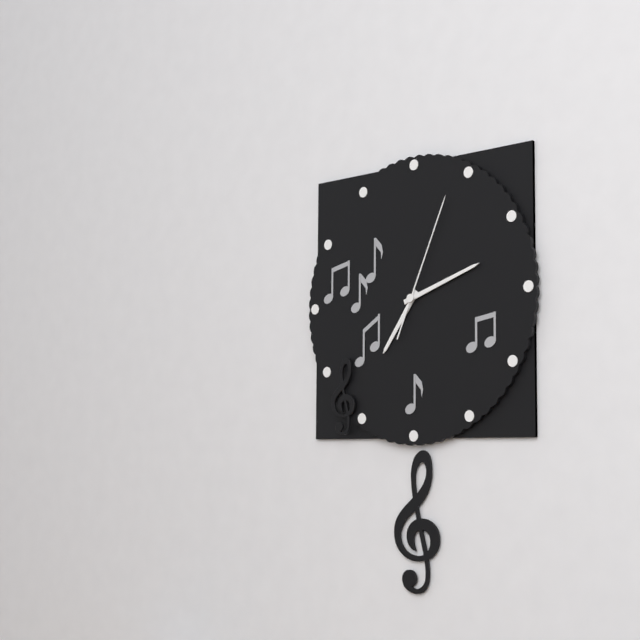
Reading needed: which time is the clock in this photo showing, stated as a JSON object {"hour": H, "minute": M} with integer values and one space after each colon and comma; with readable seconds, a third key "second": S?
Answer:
{"hour": 7, "minute": 12, "second": 4}
